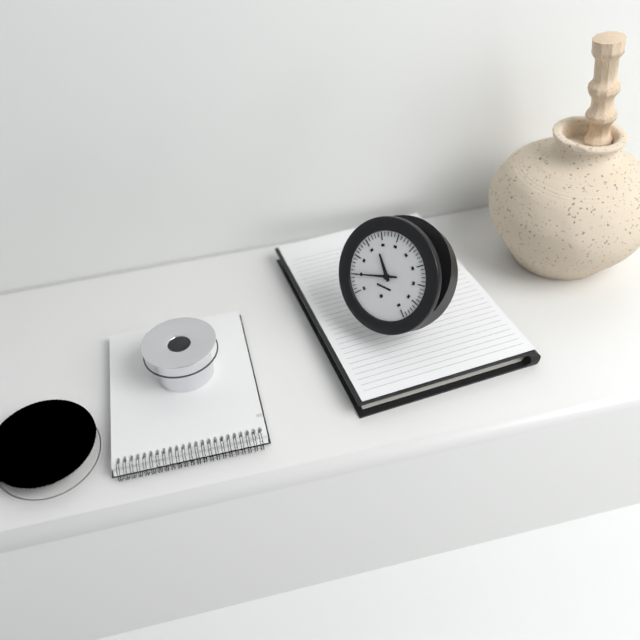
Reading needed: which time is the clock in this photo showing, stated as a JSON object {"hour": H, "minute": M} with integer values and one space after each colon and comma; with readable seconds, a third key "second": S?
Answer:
{"hour": 10, "minute": 42}
